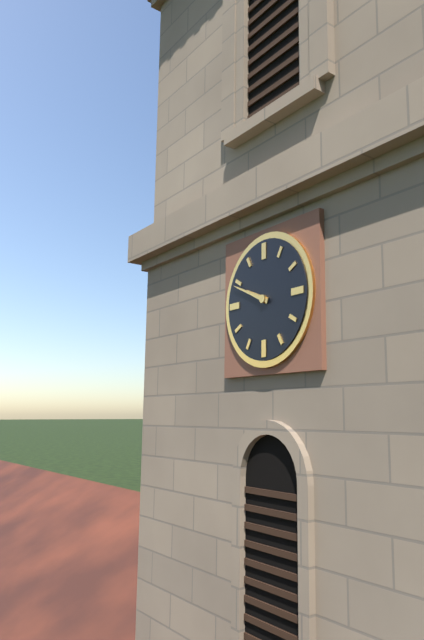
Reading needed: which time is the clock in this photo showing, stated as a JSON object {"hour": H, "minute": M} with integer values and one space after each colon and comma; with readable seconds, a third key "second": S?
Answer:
{"hour": 9, "minute": 49}
